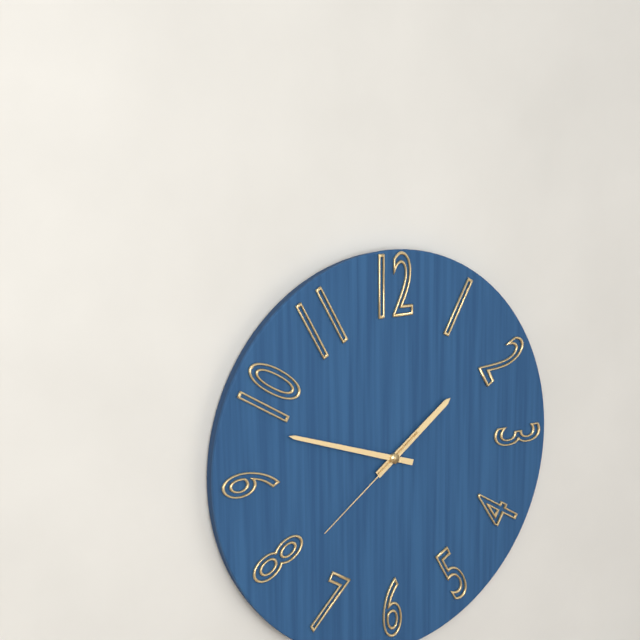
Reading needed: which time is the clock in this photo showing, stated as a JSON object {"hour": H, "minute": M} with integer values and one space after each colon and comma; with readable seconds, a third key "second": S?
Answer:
{"hour": 1, "minute": 48, "second": 39}
